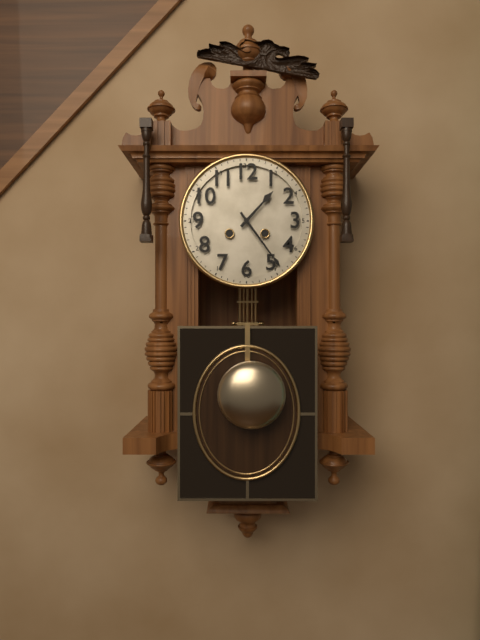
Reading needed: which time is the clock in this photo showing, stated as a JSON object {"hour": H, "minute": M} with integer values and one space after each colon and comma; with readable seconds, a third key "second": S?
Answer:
{"hour": 1, "minute": 24}
